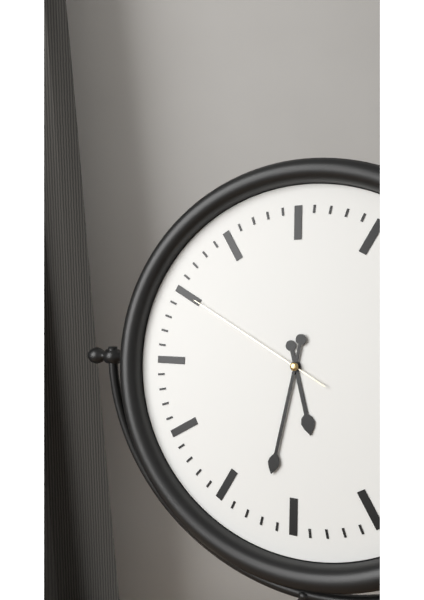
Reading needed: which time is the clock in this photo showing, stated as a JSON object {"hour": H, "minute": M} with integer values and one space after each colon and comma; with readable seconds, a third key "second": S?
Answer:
{"hour": 5, "minute": 32, "second": 50}
